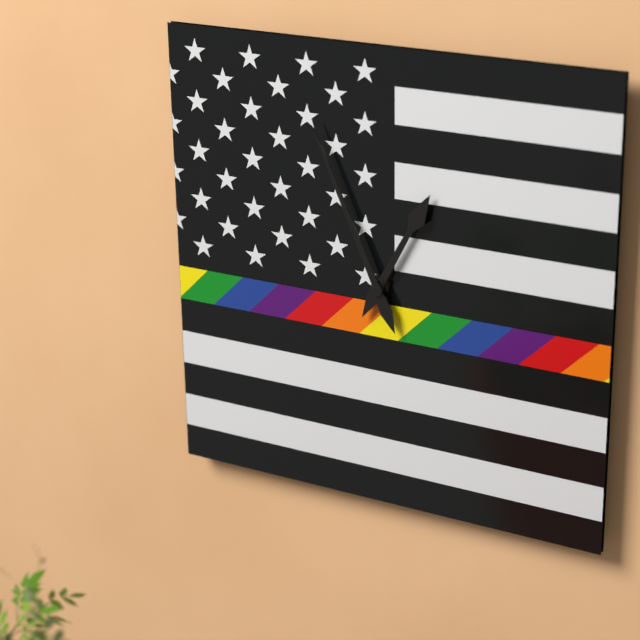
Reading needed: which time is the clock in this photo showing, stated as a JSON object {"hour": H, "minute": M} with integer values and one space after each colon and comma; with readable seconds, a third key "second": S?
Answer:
{"hour": 12, "minute": 56}
